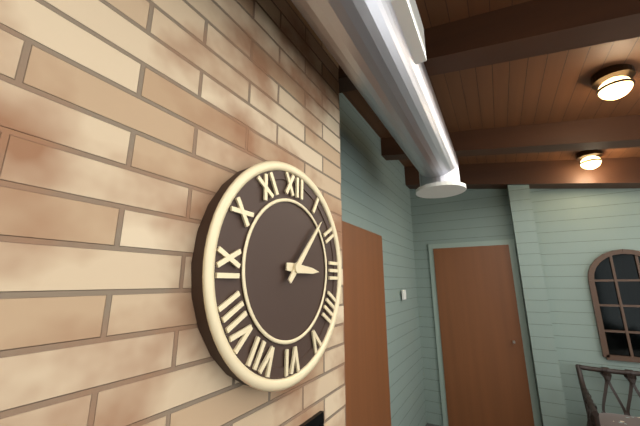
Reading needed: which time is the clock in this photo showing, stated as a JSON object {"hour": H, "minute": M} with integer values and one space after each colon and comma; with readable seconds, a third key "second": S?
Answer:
{"hour": 3, "minute": 7}
